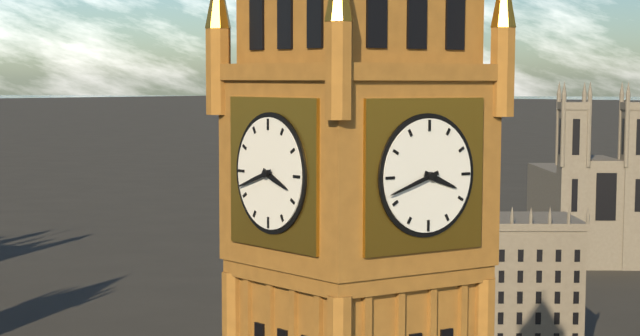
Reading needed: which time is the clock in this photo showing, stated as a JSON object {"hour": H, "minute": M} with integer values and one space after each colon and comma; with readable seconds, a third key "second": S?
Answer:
{"hour": 3, "minute": 42}
